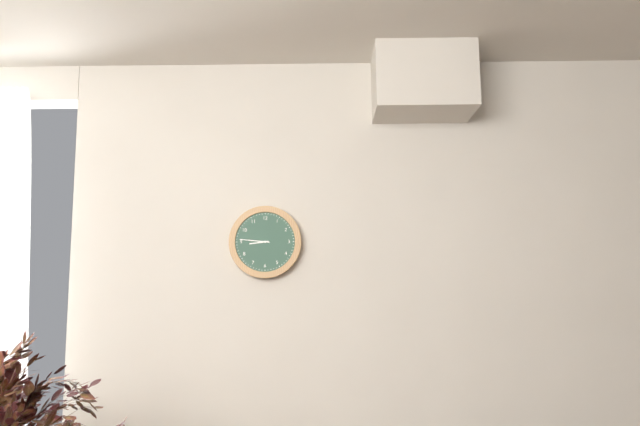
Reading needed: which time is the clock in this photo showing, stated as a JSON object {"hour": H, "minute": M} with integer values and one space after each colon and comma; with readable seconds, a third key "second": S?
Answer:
{"hour": 8, "minute": 46}
